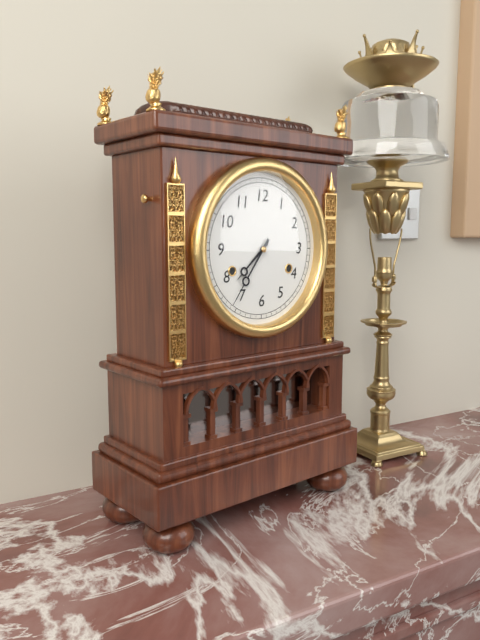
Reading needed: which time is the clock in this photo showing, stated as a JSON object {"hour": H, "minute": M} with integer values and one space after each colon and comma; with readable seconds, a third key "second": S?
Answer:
{"hour": 7, "minute": 36}
